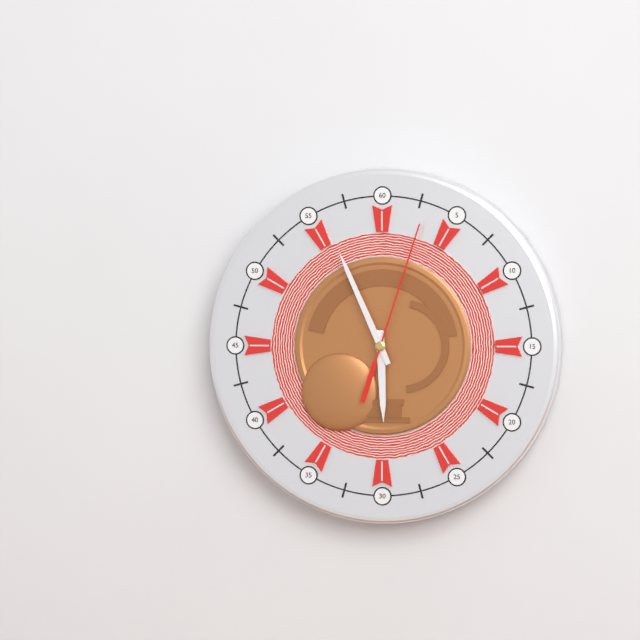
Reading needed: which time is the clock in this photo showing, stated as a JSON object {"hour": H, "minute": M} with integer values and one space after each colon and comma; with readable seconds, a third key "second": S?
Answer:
{"hour": 5, "minute": 56, "second": 3}
